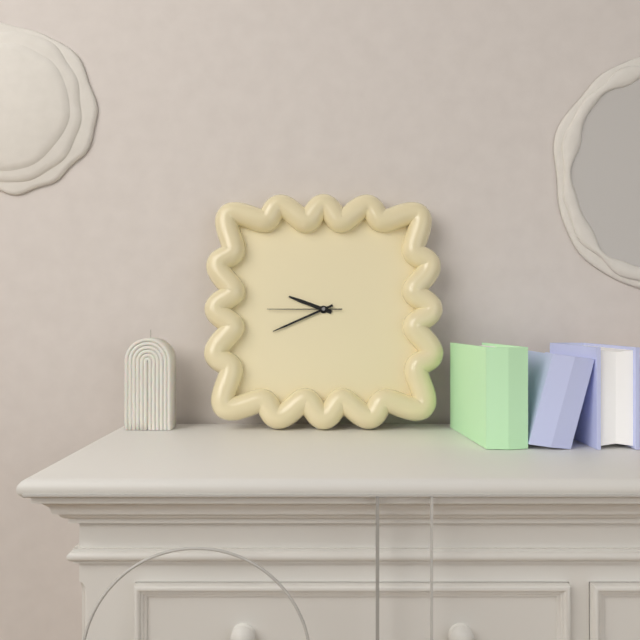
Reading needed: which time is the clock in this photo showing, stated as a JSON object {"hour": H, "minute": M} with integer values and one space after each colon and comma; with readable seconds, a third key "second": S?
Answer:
{"hour": 9, "minute": 41, "second": 45}
